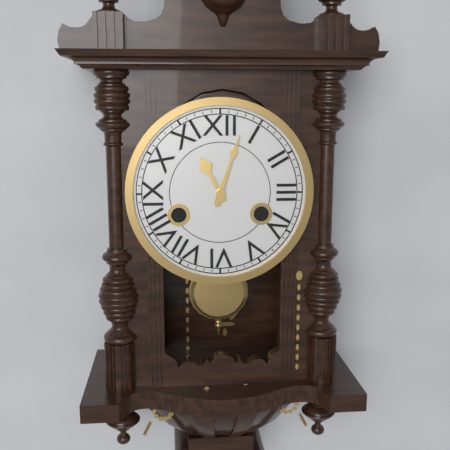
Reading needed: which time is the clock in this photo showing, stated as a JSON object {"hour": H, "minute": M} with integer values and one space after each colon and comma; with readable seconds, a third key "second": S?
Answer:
{"hour": 11, "minute": 3}
